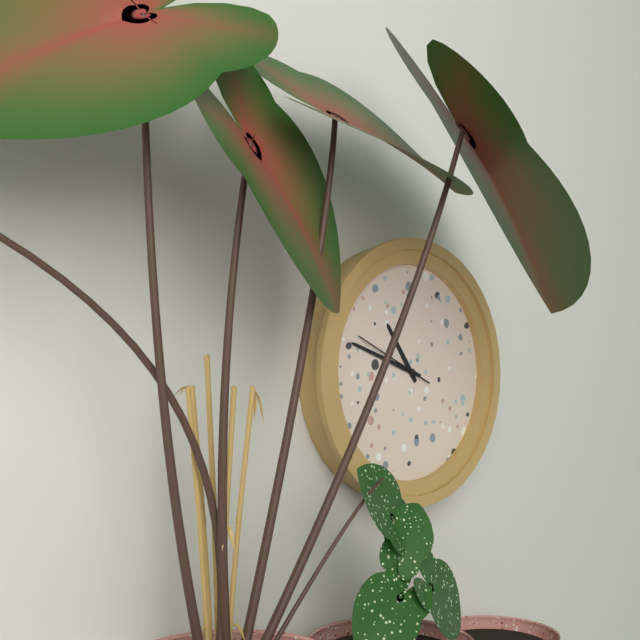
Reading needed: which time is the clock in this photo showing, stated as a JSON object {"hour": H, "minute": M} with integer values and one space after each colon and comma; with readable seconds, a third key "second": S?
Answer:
{"hour": 10, "minute": 48, "second": 49}
